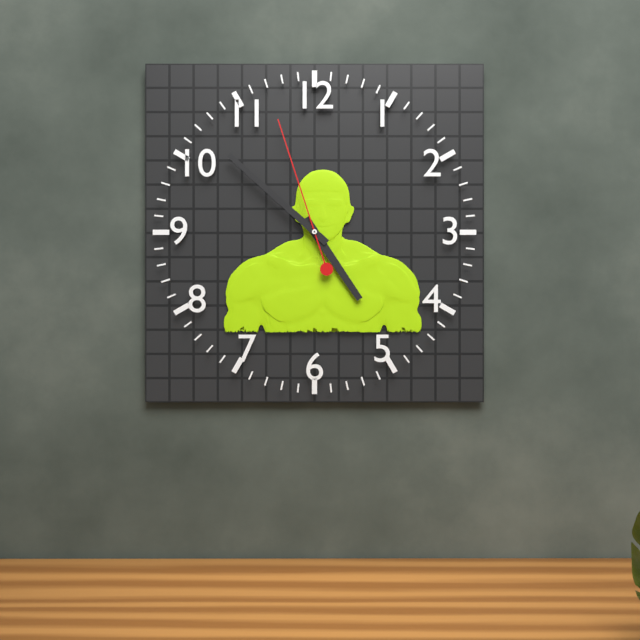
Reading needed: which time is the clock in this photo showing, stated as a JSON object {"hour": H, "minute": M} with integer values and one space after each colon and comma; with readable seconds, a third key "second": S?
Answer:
{"hour": 4, "minute": 52, "second": 57}
